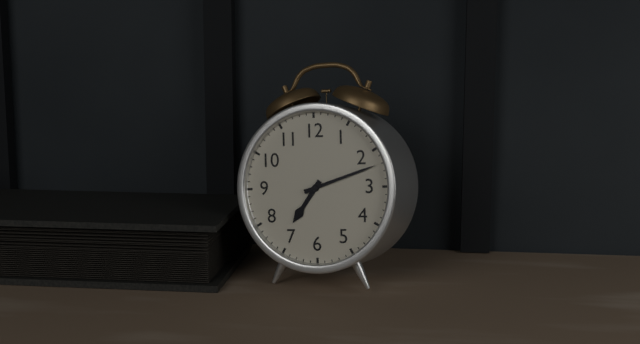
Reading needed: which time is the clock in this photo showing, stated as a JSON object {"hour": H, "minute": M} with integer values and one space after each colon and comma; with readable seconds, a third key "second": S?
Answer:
{"hour": 7, "minute": 12}
